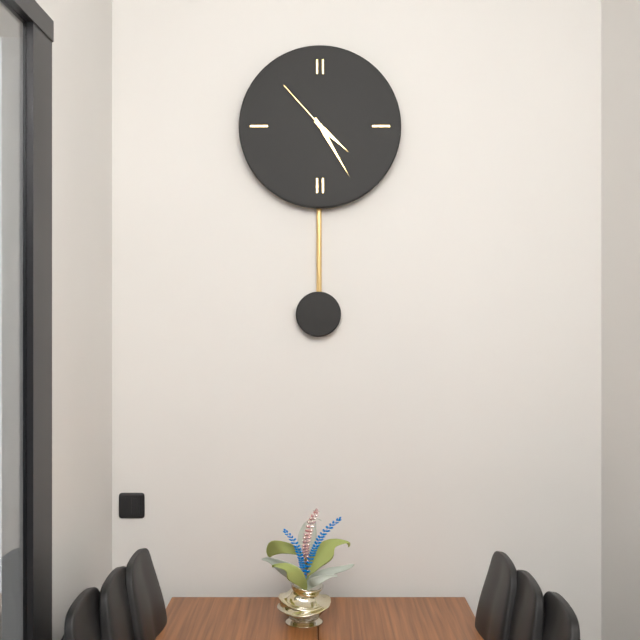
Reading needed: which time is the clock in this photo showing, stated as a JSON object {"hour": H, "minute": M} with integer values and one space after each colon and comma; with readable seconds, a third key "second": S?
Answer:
{"hour": 4, "minute": 25, "second": 53}
